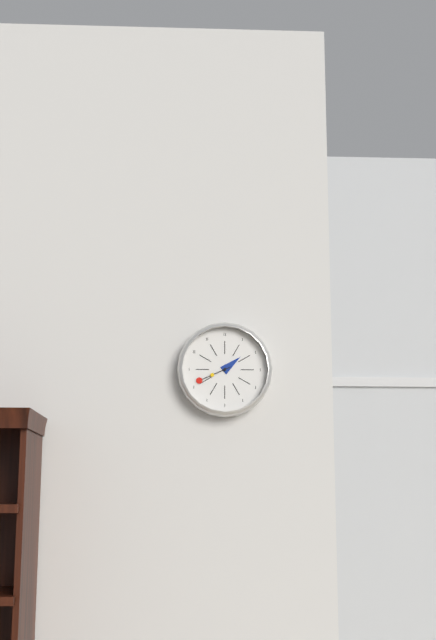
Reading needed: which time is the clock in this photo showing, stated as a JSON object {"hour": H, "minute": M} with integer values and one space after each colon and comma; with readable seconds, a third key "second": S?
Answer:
{"hour": 1, "minute": 41}
